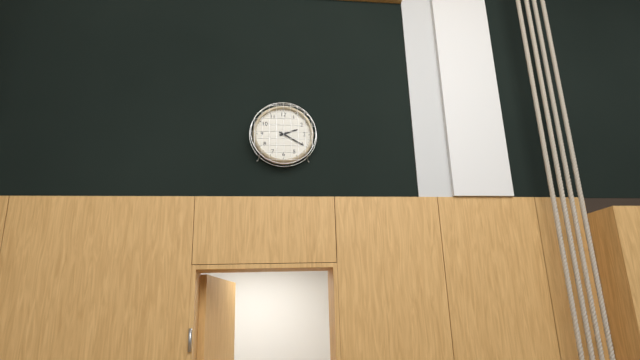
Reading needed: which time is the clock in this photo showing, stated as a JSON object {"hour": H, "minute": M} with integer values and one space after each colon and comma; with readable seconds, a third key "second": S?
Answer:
{"hour": 2, "minute": 20}
